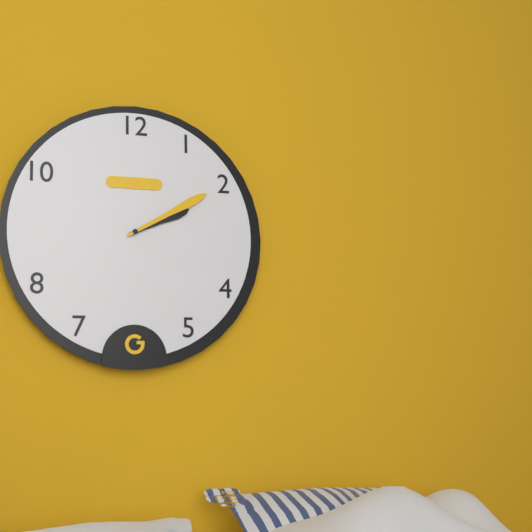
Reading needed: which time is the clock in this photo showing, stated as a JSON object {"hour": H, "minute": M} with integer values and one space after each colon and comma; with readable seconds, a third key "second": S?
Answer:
{"hour": 2, "minute": 10}
